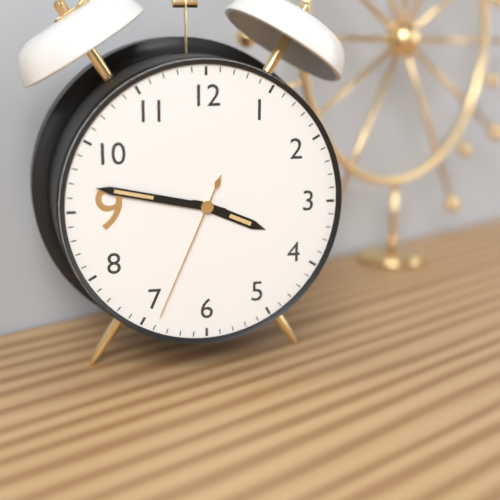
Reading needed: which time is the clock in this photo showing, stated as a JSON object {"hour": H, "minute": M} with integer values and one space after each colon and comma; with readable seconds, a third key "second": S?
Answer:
{"hour": 3, "minute": 47, "second": 34}
